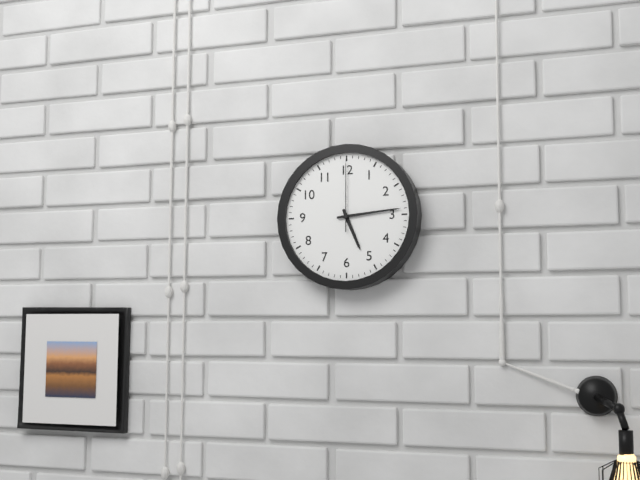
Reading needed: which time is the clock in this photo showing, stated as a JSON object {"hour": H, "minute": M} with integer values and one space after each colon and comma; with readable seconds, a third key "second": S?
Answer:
{"hour": 5, "minute": 14, "second": 0}
